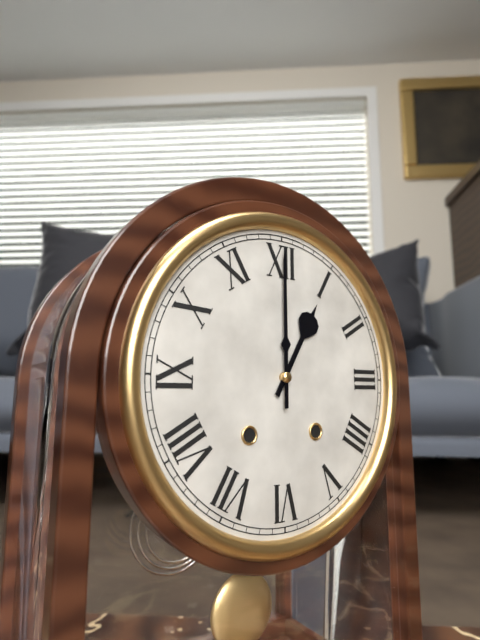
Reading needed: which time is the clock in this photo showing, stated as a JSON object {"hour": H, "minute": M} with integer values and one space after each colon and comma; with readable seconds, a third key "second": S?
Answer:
{"hour": 1, "minute": 0}
